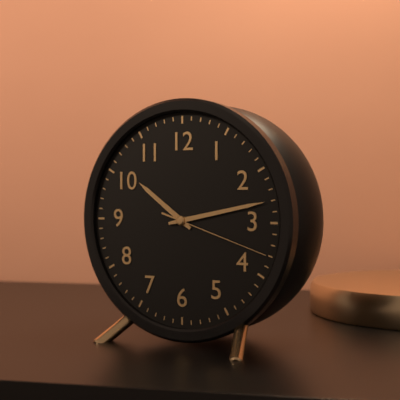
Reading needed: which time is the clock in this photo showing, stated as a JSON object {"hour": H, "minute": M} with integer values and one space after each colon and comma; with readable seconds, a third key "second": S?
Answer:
{"hour": 10, "minute": 13, "second": 18}
